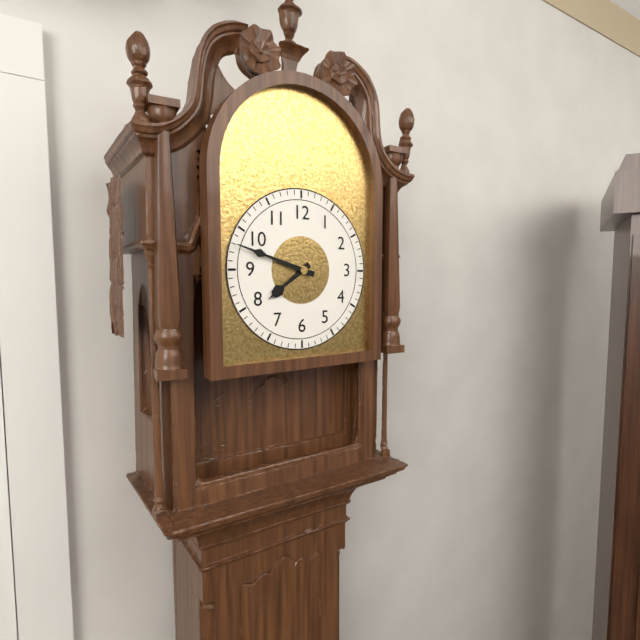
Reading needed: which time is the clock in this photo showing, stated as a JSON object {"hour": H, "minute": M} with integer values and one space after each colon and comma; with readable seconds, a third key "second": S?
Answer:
{"hour": 7, "minute": 48}
